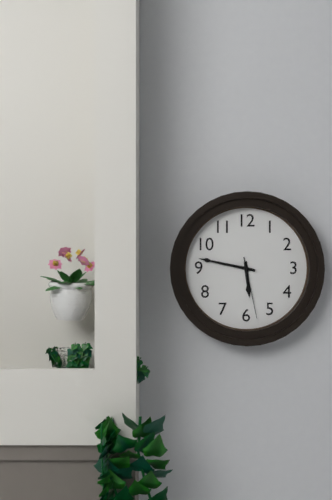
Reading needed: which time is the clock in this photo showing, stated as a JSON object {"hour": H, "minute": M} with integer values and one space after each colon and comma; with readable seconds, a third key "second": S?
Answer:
{"hour": 5, "minute": 47, "second": 28}
